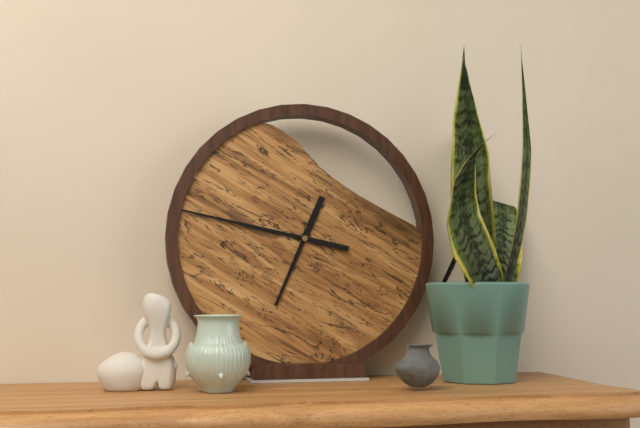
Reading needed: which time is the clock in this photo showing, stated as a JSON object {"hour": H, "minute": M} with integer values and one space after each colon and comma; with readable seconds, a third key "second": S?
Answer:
{"hour": 6, "minute": 47}
